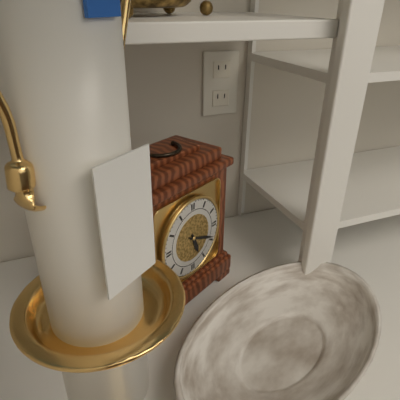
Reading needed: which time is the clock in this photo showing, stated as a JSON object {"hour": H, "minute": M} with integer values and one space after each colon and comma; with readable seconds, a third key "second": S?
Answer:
{"hour": 5, "minute": 19}
